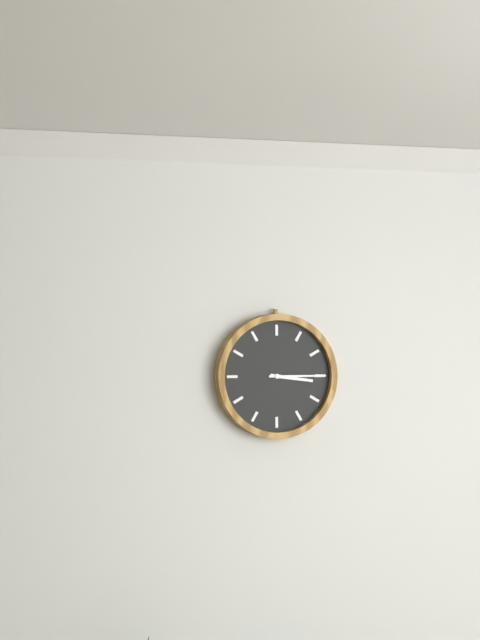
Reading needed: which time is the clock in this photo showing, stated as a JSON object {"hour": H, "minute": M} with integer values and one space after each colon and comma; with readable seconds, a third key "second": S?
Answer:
{"hour": 3, "minute": 15}
